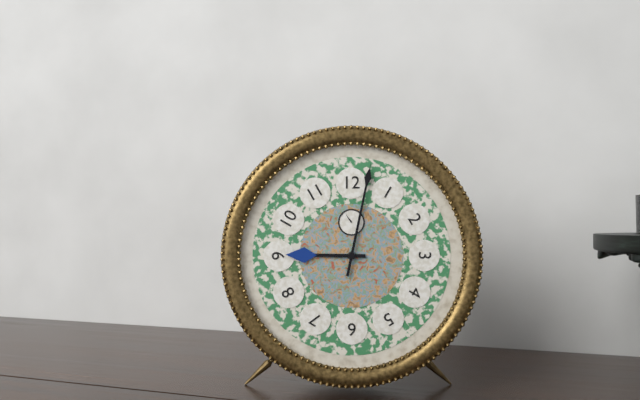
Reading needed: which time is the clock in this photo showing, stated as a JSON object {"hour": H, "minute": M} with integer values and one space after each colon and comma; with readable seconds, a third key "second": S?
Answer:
{"hour": 9, "minute": 2}
